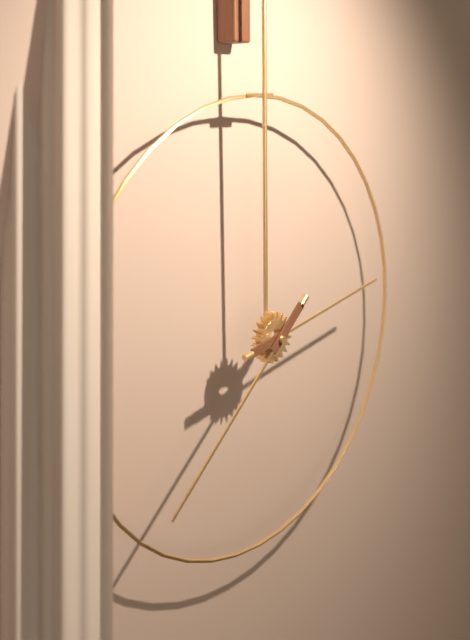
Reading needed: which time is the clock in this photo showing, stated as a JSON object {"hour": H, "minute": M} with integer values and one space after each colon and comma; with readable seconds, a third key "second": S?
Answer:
{"hour": 2, "minute": 38}
